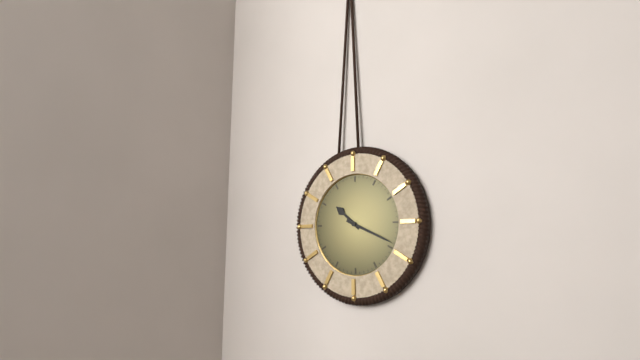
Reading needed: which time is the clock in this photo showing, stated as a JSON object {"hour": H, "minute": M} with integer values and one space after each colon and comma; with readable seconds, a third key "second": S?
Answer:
{"hour": 10, "minute": 19}
